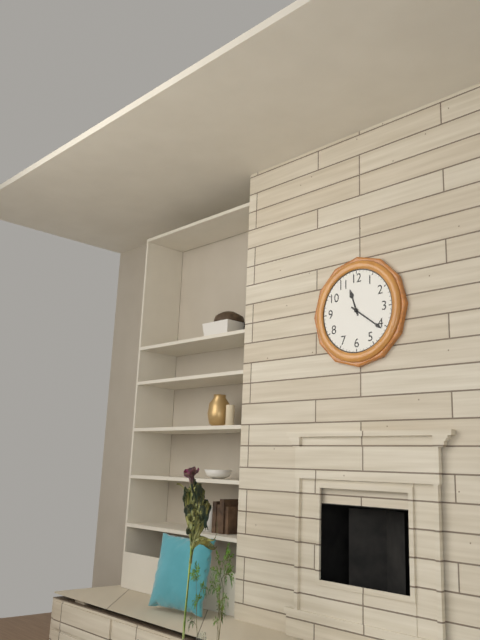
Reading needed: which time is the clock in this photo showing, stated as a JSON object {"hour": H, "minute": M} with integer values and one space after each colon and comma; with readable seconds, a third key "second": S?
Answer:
{"hour": 11, "minute": 21}
